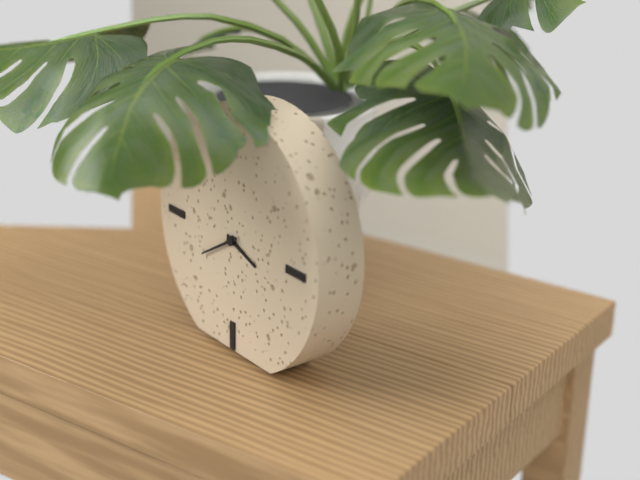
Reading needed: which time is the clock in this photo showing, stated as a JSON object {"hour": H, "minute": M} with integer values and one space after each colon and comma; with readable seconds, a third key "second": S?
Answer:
{"hour": 3, "minute": 40}
